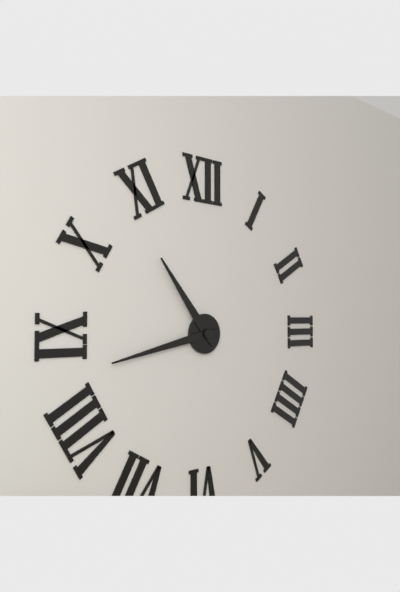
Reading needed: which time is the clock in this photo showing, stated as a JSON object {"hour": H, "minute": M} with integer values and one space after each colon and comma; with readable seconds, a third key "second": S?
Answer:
{"hour": 10, "minute": 43}
